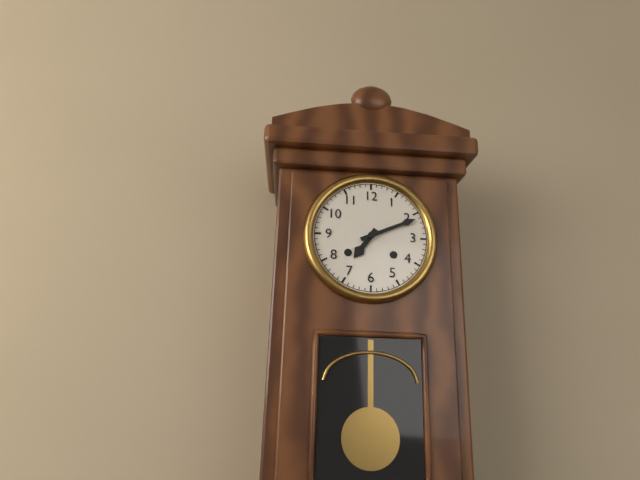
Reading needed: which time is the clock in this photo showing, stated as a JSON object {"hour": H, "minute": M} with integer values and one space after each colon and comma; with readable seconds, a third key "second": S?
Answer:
{"hour": 7, "minute": 11}
